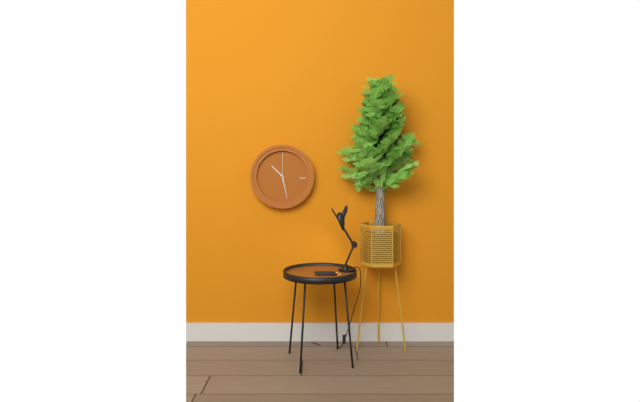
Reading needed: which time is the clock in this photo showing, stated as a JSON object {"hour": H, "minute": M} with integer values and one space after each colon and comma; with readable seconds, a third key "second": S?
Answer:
{"hour": 10, "minute": 28}
